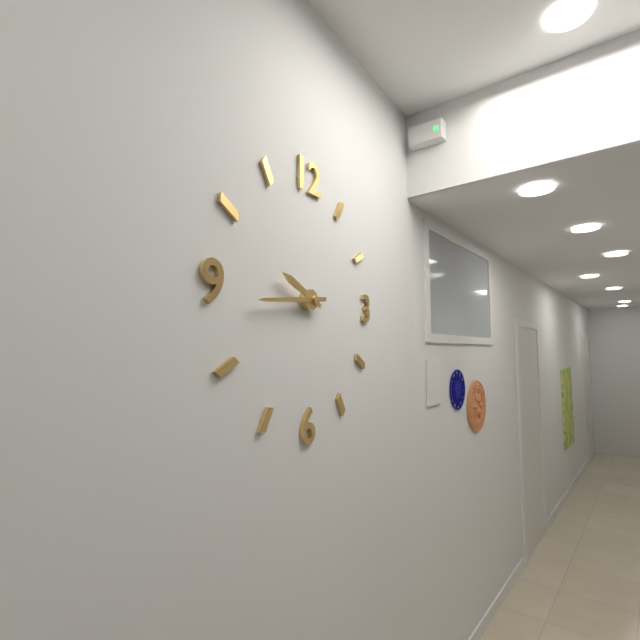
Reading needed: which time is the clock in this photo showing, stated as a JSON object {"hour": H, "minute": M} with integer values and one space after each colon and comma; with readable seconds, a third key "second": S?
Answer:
{"hour": 9, "minute": 44}
